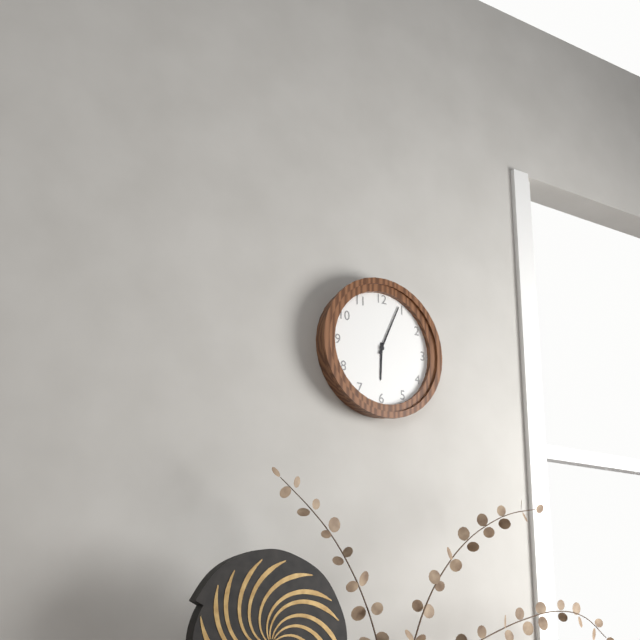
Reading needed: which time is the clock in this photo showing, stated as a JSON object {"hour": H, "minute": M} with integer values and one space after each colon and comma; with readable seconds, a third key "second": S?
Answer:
{"hour": 6, "minute": 4}
